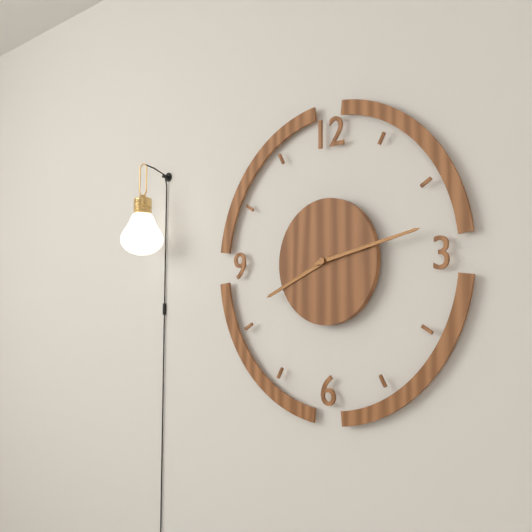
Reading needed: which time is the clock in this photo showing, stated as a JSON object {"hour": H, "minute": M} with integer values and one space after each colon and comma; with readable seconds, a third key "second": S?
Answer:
{"hour": 8, "minute": 13}
